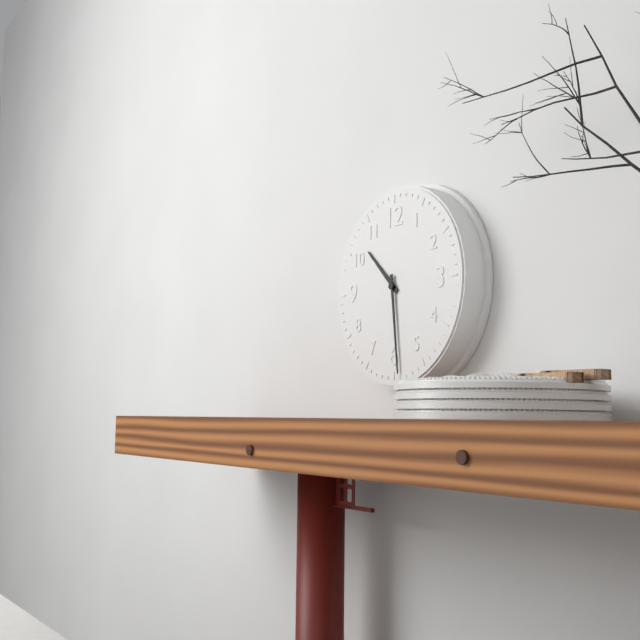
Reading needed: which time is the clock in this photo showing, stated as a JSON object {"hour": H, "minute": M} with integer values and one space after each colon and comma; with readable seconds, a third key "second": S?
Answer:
{"hour": 10, "minute": 29}
